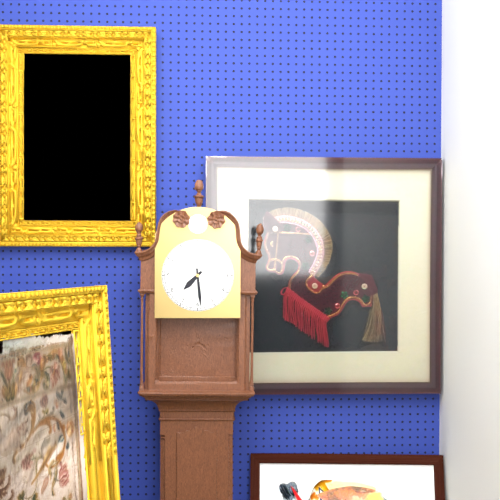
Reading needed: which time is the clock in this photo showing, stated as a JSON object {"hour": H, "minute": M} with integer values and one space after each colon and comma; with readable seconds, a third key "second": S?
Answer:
{"hour": 7, "minute": 29}
